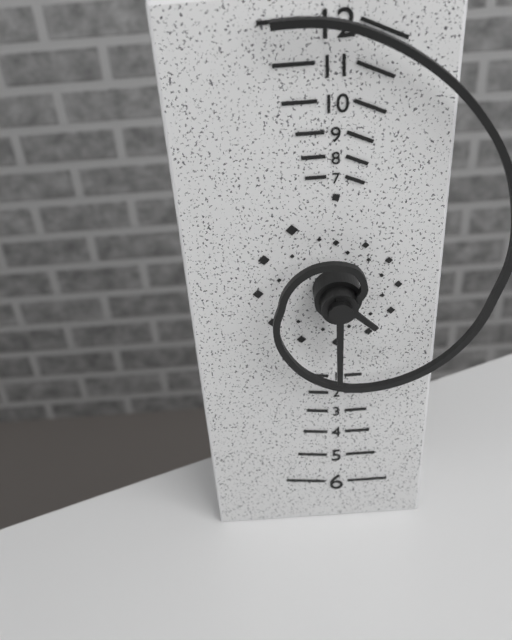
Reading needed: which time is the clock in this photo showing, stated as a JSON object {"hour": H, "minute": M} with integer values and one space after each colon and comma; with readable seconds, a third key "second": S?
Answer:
{"hour": 4, "minute": 30}
